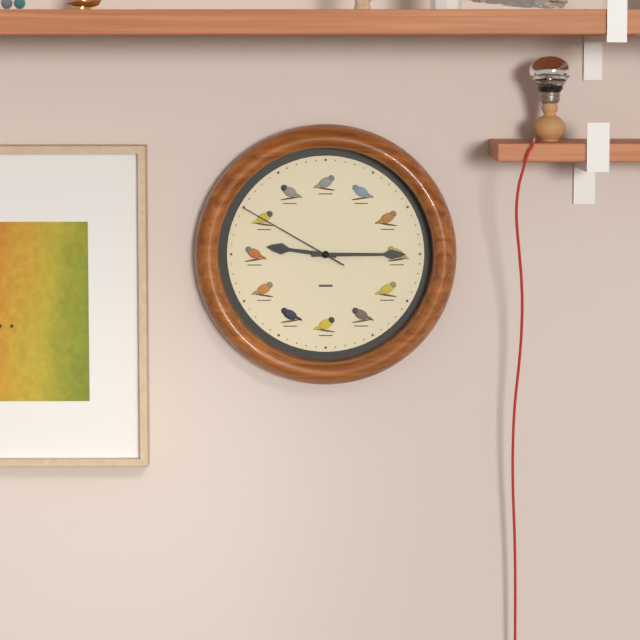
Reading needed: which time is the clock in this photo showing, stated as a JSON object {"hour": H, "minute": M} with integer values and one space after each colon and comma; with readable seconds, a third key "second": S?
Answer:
{"hour": 9, "minute": 15, "second": 50}
